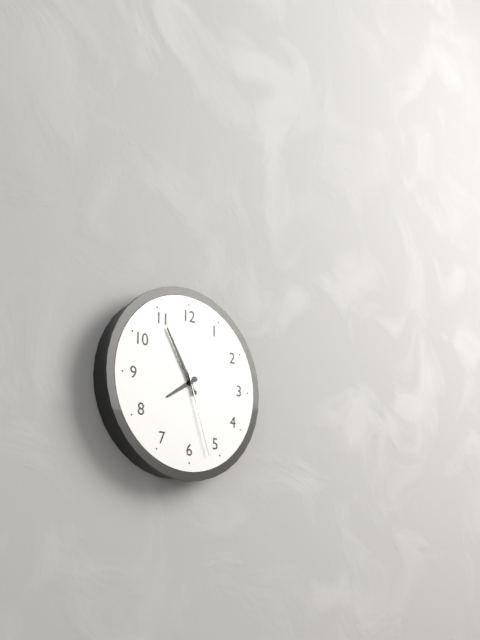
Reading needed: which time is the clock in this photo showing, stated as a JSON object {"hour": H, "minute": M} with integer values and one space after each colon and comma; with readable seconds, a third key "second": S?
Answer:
{"hour": 7, "minute": 55, "second": 27}
